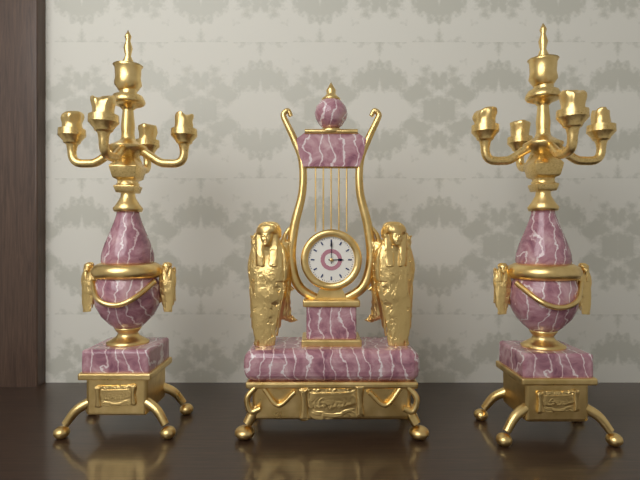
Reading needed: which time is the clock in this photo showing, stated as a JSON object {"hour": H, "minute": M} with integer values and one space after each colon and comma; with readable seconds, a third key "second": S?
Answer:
{"hour": 3, "minute": 0}
